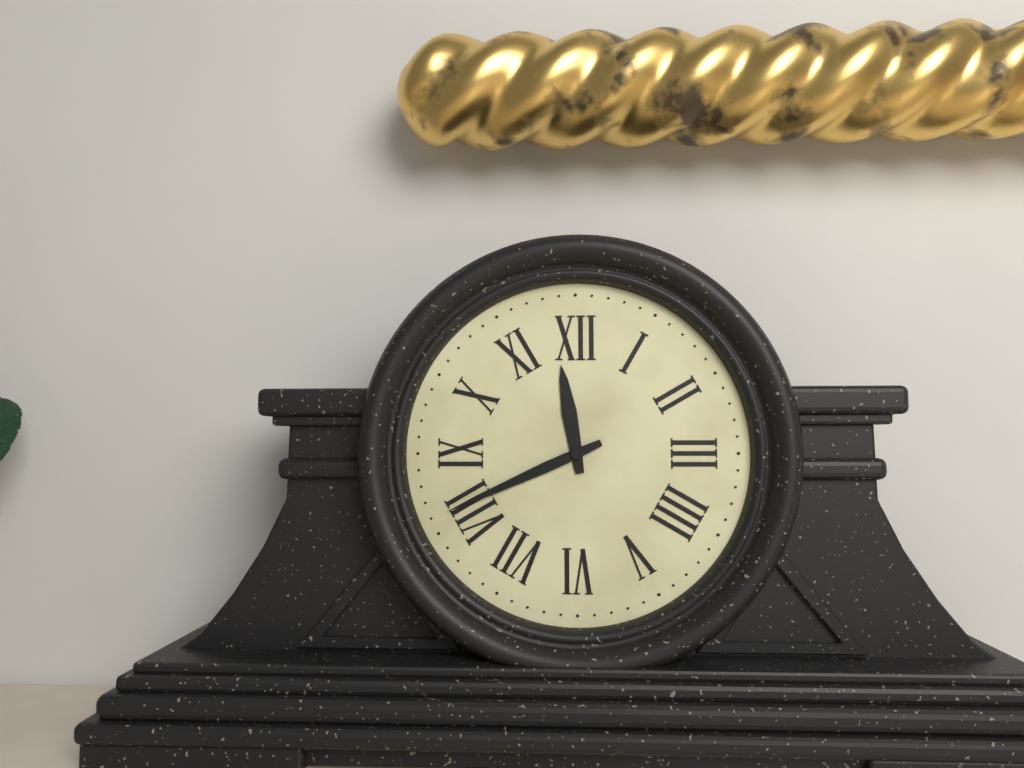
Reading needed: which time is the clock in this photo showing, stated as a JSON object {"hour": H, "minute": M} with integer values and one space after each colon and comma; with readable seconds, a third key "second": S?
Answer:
{"hour": 11, "minute": 41}
